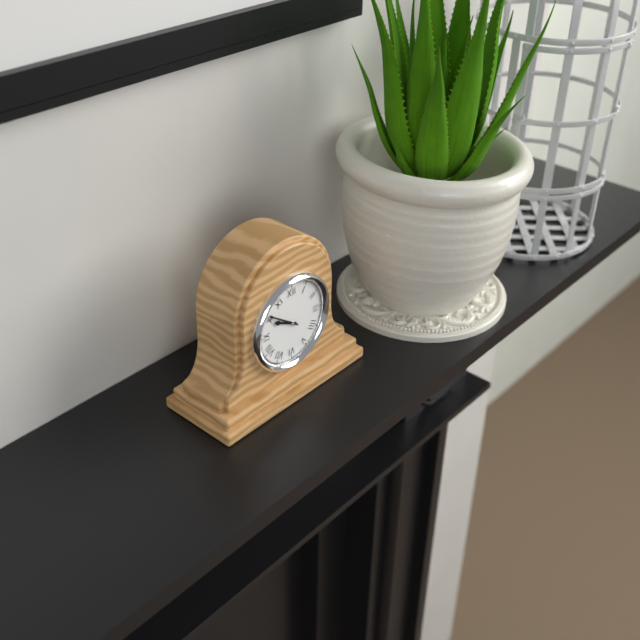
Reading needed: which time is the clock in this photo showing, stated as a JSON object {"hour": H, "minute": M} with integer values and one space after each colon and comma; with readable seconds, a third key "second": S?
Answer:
{"hour": 9, "minute": 51}
